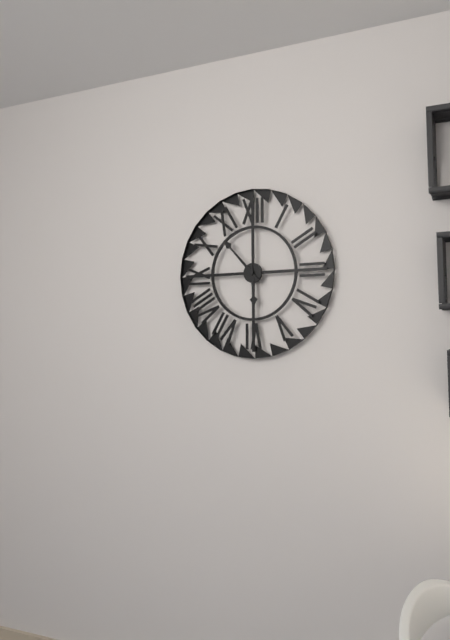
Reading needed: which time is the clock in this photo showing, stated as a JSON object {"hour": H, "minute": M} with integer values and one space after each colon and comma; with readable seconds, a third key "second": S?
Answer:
{"hour": 5, "minute": 53}
